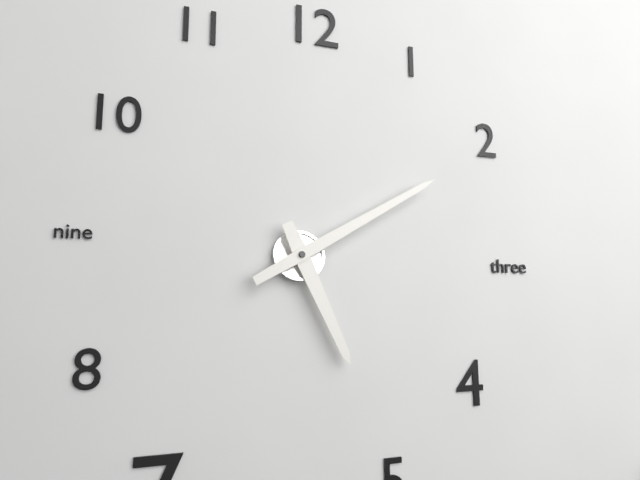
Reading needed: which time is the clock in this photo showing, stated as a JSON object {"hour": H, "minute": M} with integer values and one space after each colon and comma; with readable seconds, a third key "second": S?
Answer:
{"hour": 5, "minute": 10}
